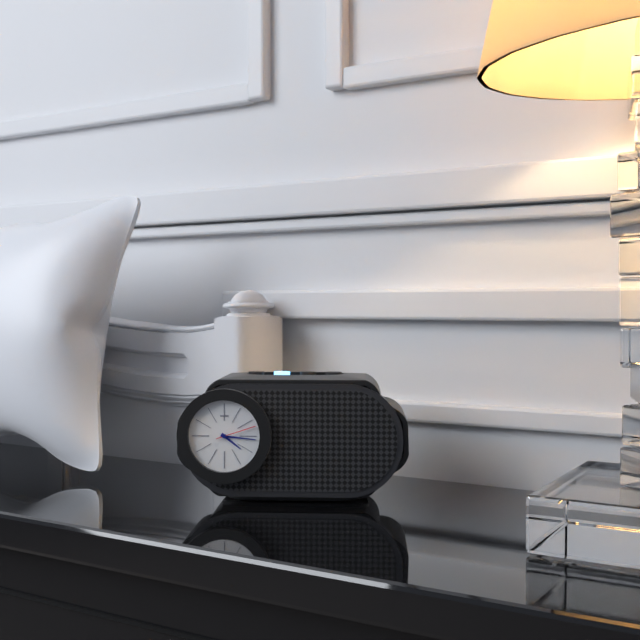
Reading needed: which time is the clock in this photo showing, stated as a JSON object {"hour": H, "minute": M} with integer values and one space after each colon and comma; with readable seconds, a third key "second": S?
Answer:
{"hour": 4, "minute": 16}
